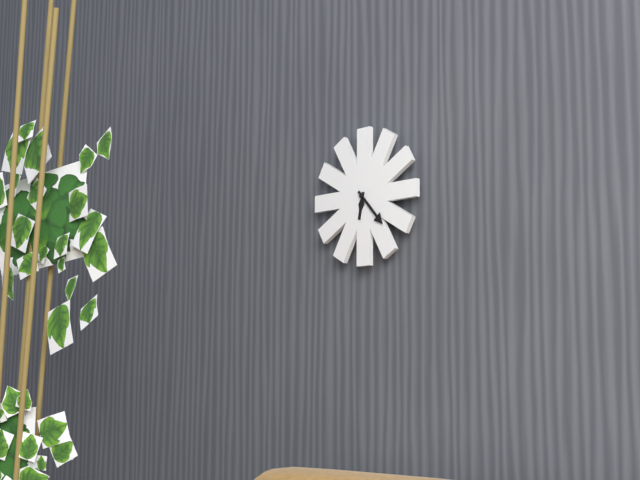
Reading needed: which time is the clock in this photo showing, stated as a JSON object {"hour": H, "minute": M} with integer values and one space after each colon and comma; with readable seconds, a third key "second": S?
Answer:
{"hour": 6, "minute": 23}
